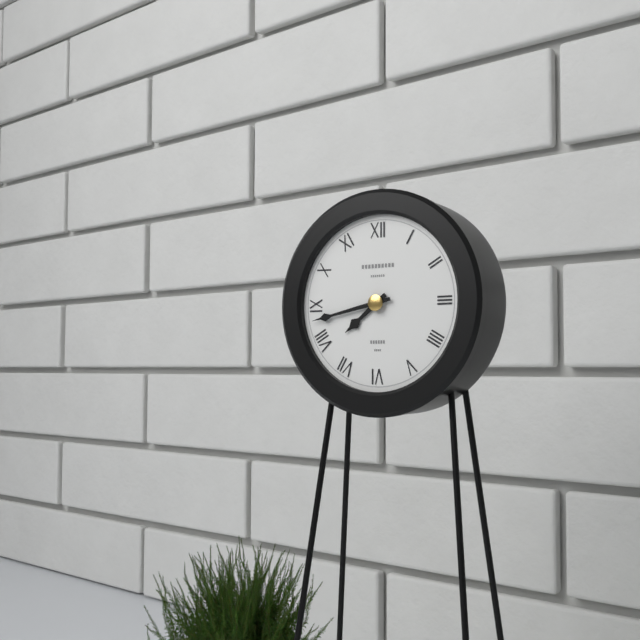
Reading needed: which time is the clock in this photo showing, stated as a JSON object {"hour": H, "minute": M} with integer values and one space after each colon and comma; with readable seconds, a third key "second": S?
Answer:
{"hour": 7, "minute": 43}
